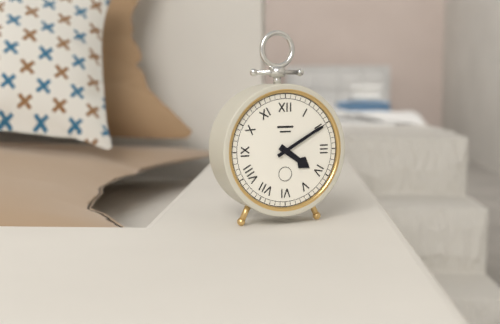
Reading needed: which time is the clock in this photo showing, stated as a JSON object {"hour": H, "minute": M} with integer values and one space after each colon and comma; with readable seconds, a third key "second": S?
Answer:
{"hour": 4, "minute": 10}
